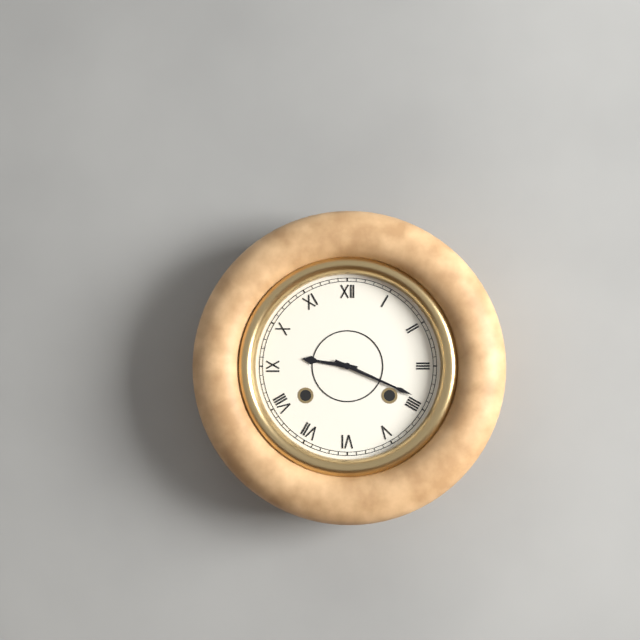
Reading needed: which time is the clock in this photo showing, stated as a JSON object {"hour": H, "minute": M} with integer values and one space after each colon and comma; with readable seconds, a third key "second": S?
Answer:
{"hour": 9, "minute": 19}
